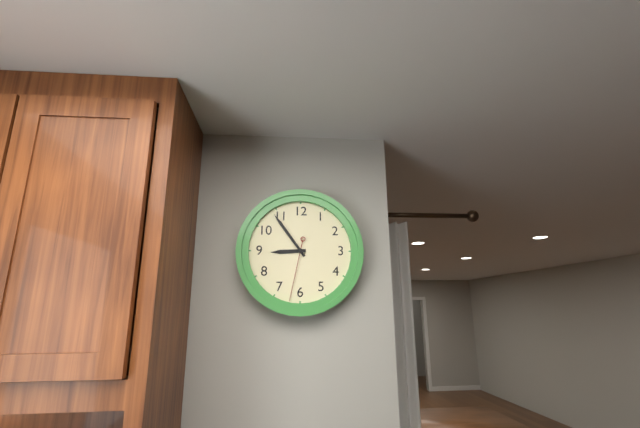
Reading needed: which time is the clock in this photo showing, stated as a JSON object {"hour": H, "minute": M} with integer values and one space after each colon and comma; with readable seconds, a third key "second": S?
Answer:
{"hour": 8, "minute": 54, "second": 32}
